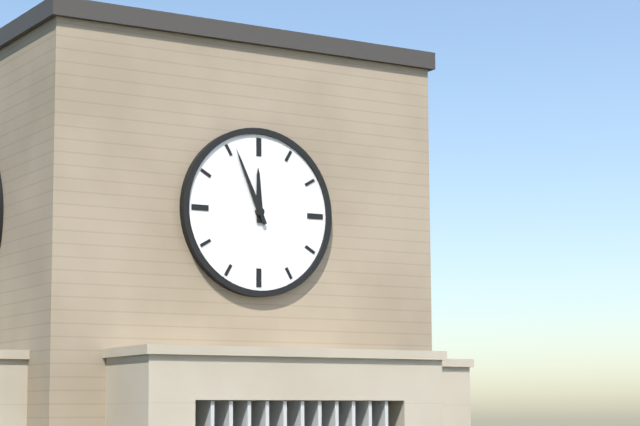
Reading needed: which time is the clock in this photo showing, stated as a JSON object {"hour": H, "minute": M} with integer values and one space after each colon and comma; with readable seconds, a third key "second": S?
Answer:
{"hour": 11, "minute": 56}
